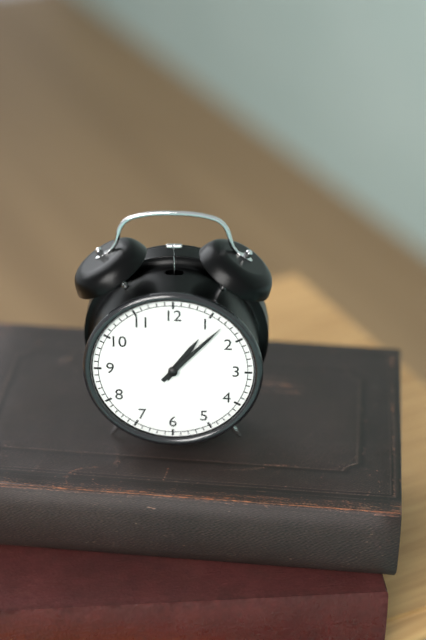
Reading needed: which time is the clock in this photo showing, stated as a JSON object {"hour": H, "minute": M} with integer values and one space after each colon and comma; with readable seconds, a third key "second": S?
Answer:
{"hour": 1, "minute": 7}
